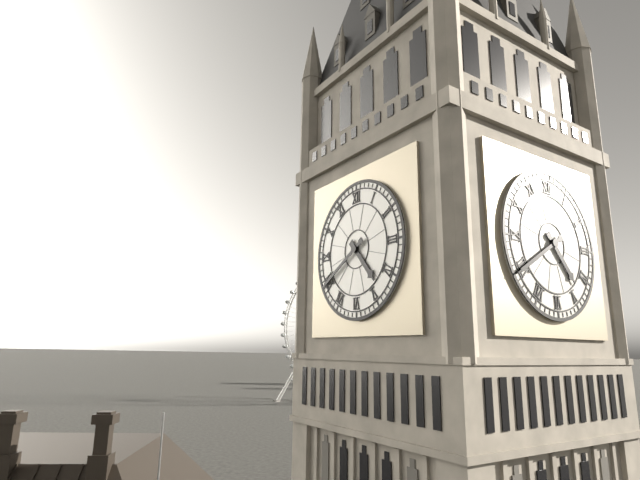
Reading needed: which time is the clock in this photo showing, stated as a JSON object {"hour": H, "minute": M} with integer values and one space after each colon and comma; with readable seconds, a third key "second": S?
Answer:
{"hour": 4, "minute": 40}
